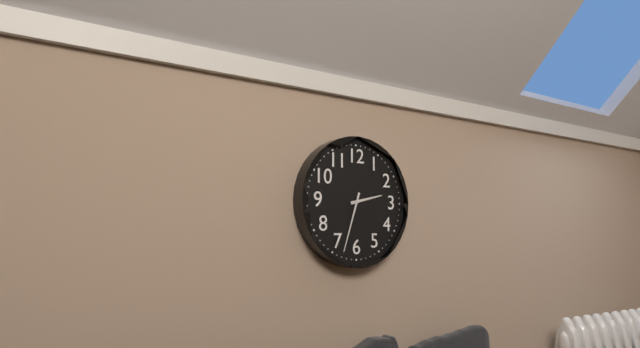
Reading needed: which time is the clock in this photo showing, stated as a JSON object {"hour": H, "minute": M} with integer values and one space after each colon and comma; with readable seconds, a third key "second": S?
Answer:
{"hour": 2, "minute": 33}
